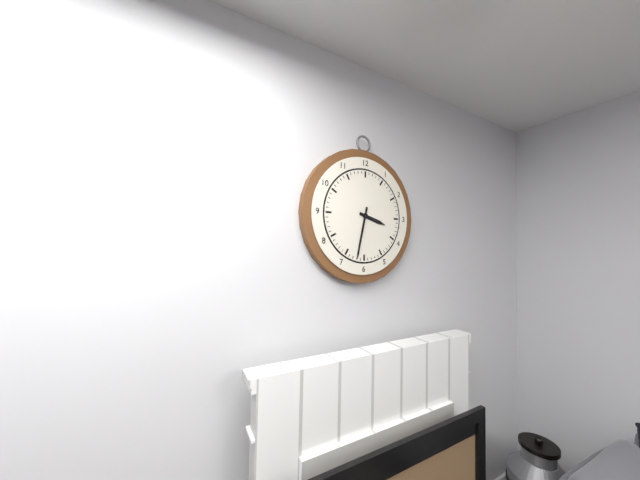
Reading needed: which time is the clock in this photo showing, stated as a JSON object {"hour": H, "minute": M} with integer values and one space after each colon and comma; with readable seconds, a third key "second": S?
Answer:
{"hour": 3, "minute": 32}
